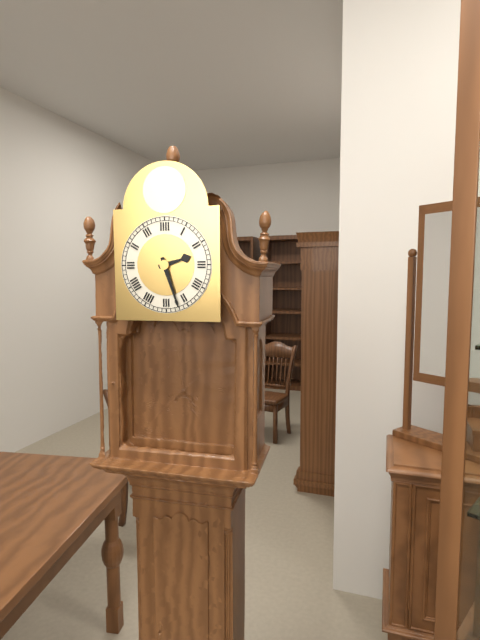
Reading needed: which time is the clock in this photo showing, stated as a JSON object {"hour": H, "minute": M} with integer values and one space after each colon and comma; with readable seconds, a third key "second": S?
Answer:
{"hour": 2, "minute": 27}
